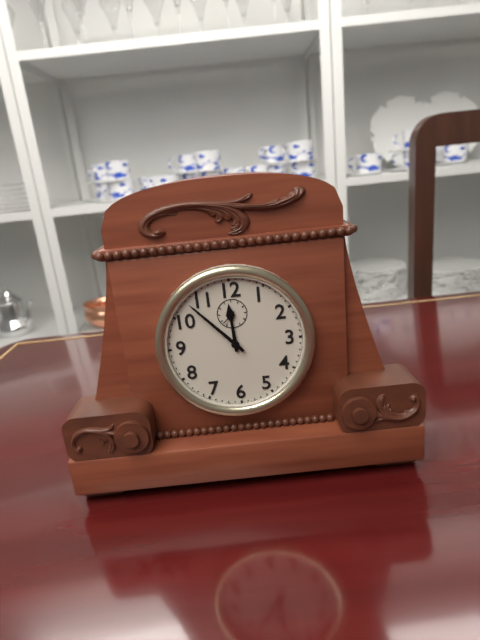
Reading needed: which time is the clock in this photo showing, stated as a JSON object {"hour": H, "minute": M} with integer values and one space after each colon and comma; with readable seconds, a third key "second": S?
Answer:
{"hour": 11, "minute": 53}
